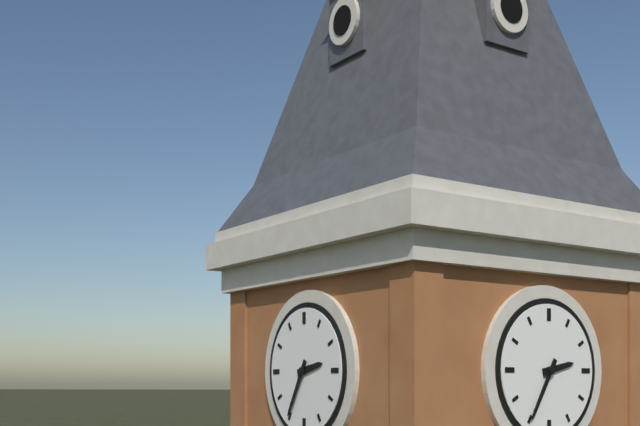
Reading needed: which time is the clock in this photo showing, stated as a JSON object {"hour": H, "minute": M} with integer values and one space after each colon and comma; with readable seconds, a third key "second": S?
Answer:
{"hour": 2, "minute": 35}
